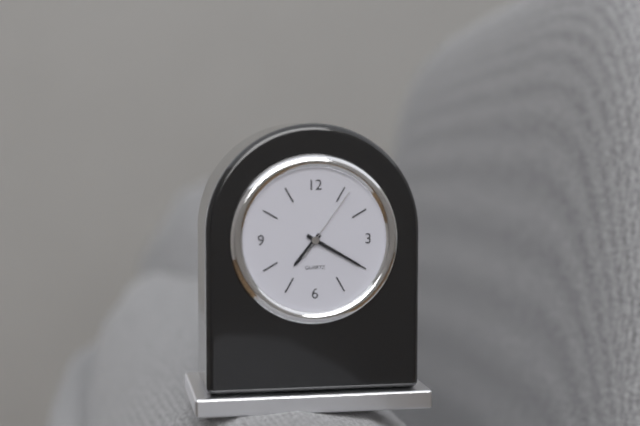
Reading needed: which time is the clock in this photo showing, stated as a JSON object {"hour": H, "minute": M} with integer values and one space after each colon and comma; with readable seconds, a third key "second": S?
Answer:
{"hour": 7, "minute": 20, "second": 6}
